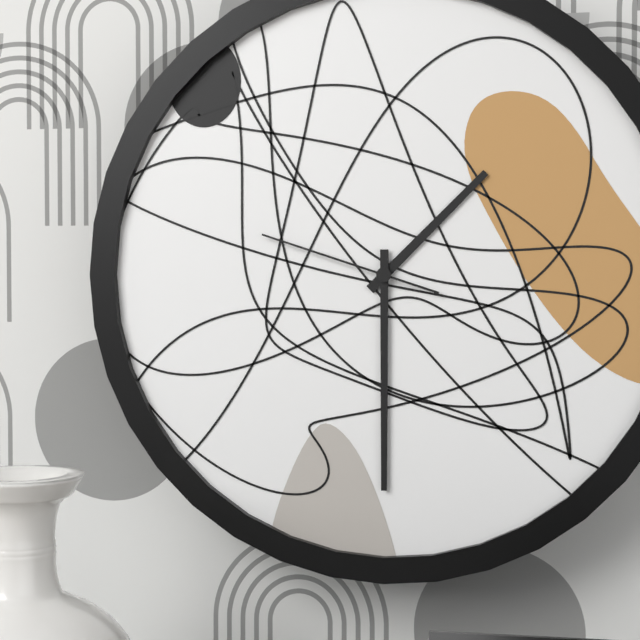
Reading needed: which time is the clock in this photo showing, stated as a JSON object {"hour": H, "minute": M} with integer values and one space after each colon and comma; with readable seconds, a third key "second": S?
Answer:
{"hour": 1, "minute": 30, "second": 48}
